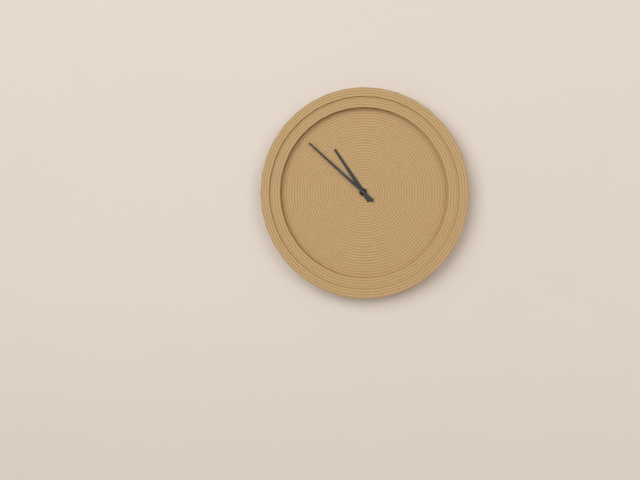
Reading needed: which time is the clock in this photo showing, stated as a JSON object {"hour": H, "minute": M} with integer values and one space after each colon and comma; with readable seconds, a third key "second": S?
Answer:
{"hour": 10, "minute": 52}
